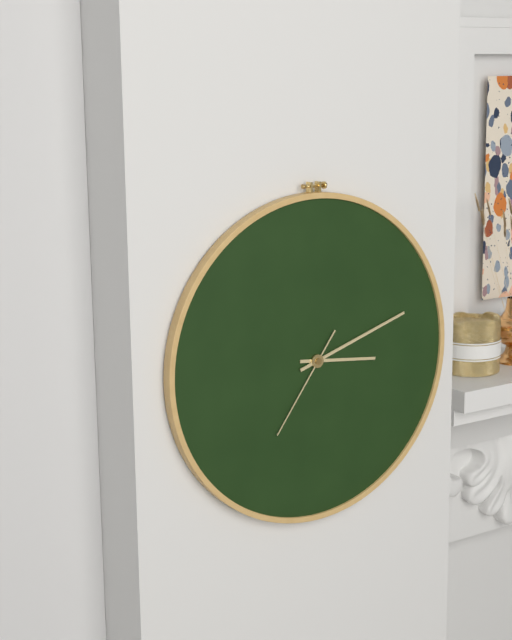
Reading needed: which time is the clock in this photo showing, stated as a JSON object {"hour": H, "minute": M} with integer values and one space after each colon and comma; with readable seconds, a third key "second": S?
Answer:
{"hour": 3, "minute": 12, "second": 36}
